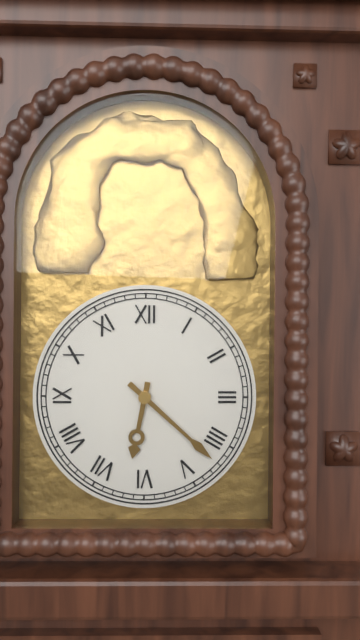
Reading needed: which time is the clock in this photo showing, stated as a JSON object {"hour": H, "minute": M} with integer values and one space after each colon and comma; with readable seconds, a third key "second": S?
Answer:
{"hour": 6, "minute": 22}
